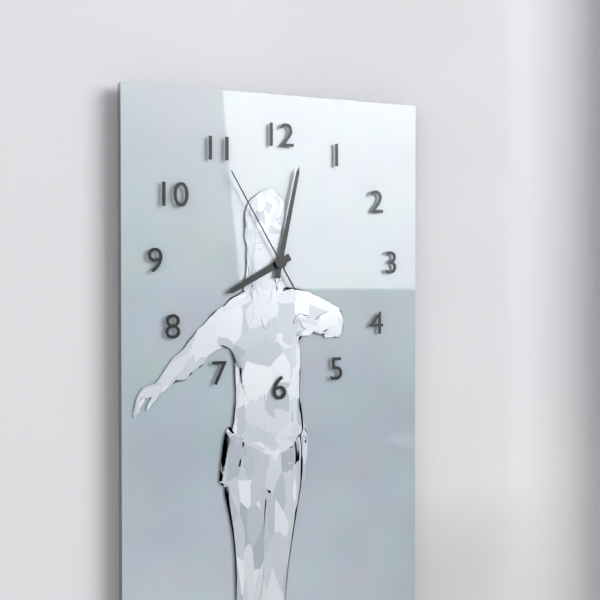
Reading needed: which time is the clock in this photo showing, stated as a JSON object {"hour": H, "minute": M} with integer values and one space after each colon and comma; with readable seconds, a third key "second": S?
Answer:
{"hour": 8, "minute": 2, "second": 55}
